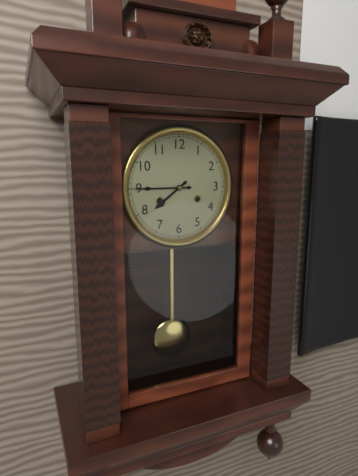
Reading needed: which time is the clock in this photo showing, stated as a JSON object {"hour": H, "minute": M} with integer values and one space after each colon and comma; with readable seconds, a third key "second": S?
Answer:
{"hour": 7, "minute": 45}
